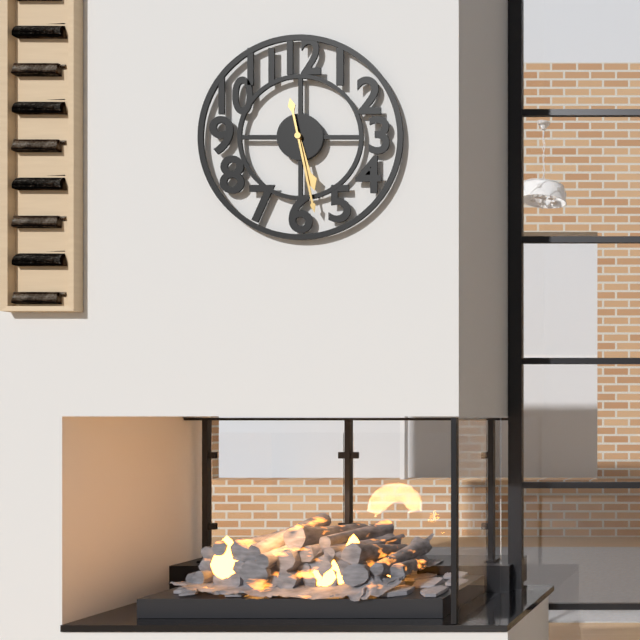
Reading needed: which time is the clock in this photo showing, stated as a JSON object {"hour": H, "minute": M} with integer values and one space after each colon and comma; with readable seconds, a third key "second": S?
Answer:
{"hour": 5, "minute": 28}
